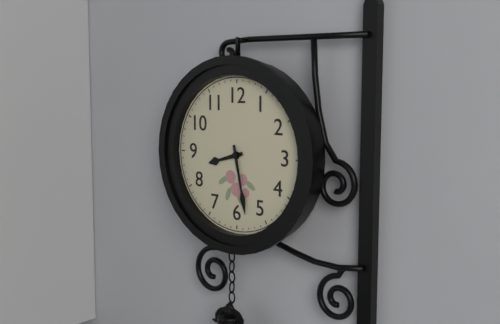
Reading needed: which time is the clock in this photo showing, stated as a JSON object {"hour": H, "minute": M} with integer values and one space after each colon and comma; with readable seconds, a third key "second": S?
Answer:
{"hour": 8, "minute": 28}
